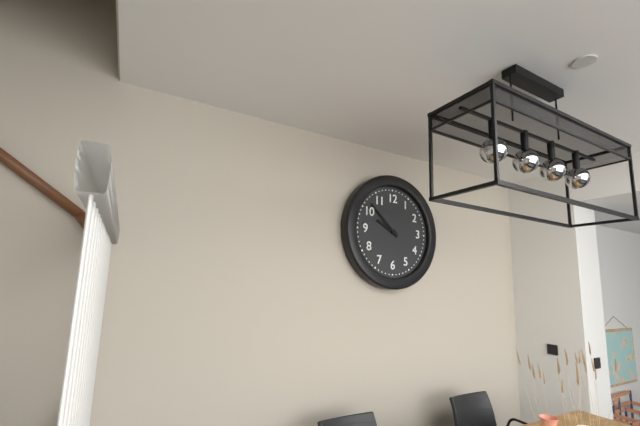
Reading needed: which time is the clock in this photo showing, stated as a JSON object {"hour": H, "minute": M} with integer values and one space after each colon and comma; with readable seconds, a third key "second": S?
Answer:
{"hour": 9, "minute": 52}
